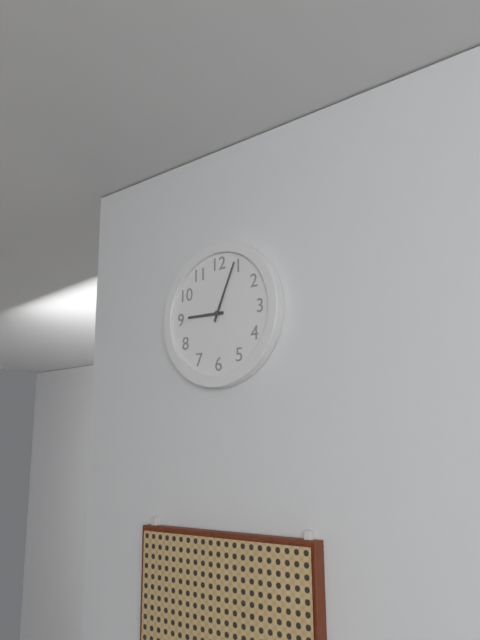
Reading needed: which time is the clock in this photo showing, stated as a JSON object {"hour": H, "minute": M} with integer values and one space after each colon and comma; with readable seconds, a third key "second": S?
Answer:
{"hour": 9, "minute": 4}
